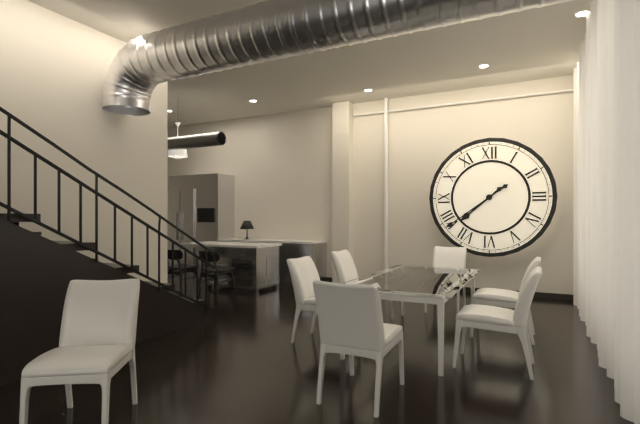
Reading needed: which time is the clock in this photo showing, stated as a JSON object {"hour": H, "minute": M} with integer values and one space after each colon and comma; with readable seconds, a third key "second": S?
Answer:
{"hour": 7, "minute": 39}
